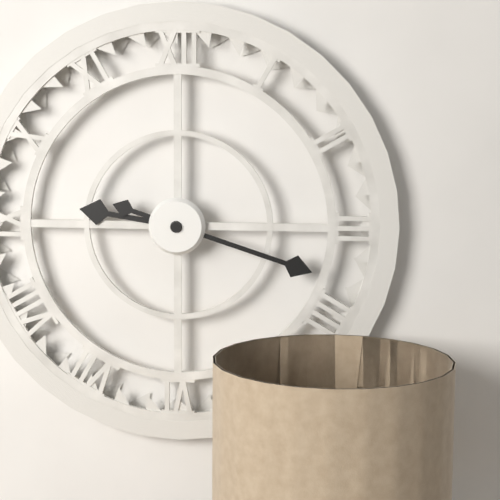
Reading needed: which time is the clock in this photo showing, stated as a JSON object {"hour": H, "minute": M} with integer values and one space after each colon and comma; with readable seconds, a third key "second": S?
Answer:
{"hour": 9, "minute": 18}
